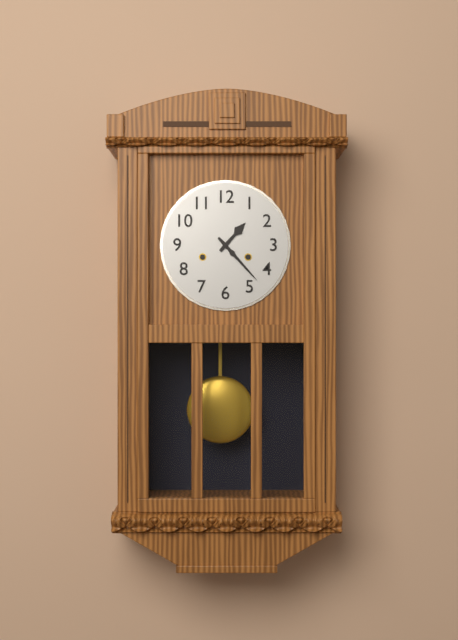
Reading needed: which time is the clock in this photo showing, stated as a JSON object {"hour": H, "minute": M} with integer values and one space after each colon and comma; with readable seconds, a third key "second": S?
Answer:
{"hour": 1, "minute": 23}
